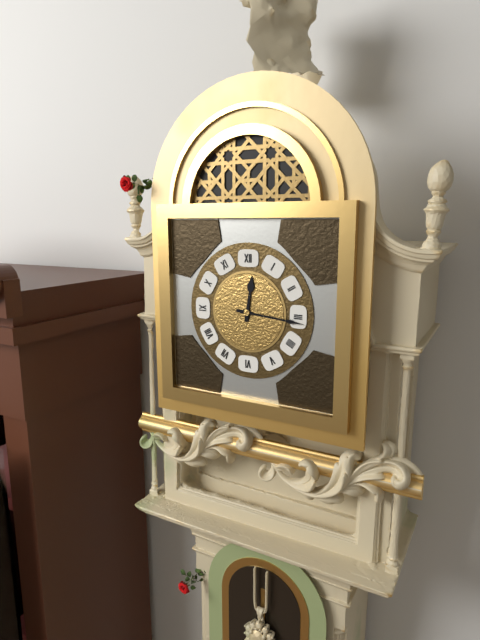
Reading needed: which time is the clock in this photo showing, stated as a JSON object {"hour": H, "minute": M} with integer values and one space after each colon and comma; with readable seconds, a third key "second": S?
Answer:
{"hour": 12, "minute": 16}
